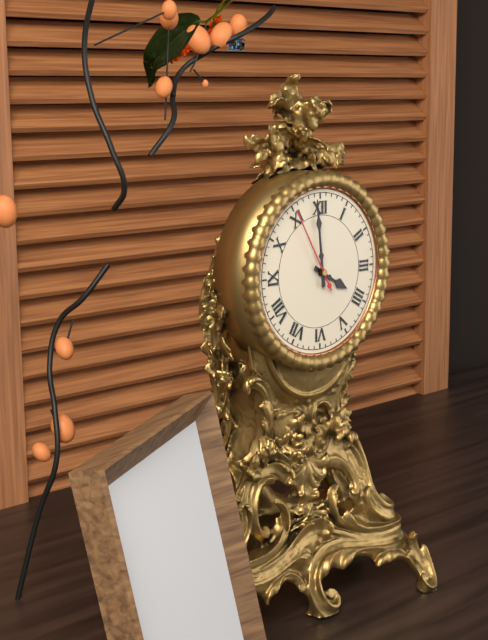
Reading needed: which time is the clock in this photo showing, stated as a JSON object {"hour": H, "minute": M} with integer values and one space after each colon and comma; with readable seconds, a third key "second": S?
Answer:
{"hour": 3, "minute": 59, "second": 55}
